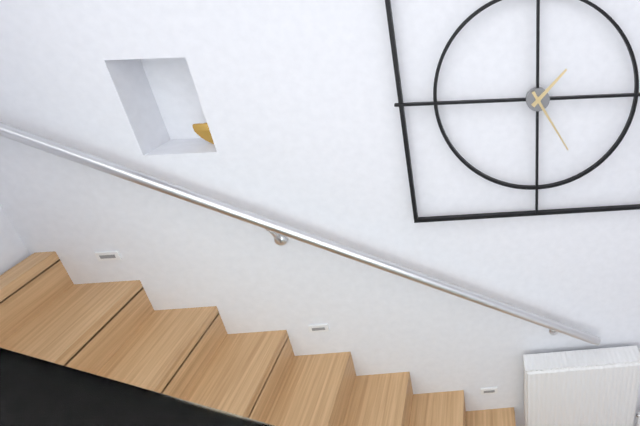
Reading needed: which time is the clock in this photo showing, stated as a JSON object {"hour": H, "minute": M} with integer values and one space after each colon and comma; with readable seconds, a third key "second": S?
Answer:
{"hour": 1, "minute": 25}
